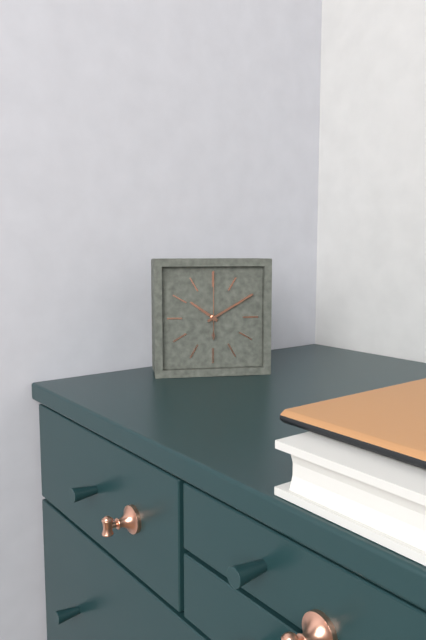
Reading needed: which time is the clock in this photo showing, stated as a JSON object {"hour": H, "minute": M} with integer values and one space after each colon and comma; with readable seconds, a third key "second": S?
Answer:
{"hour": 10, "minute": 10, "second": 0}
